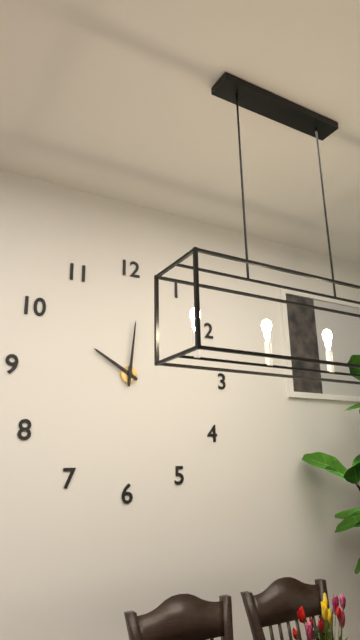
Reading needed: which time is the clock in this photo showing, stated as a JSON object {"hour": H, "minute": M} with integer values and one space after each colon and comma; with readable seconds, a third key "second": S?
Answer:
{"hour": 10, "minute": 1}
